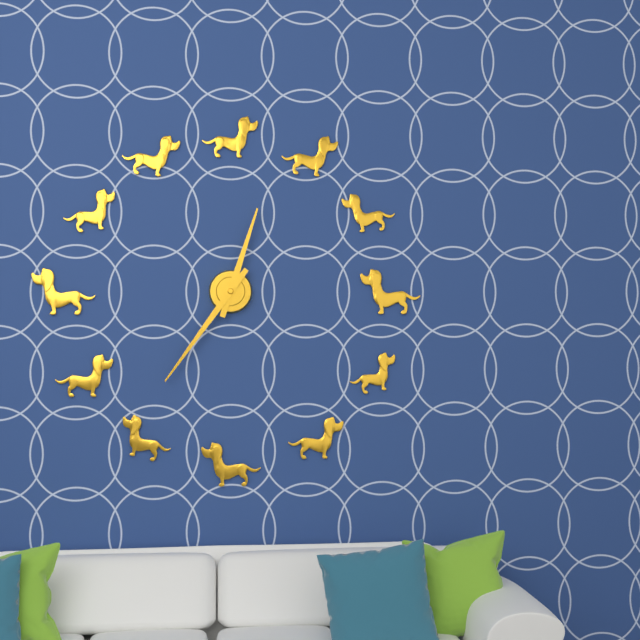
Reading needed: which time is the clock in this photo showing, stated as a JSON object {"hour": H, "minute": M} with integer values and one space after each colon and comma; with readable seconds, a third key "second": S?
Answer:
{"hour": 12, "minute": 36}
